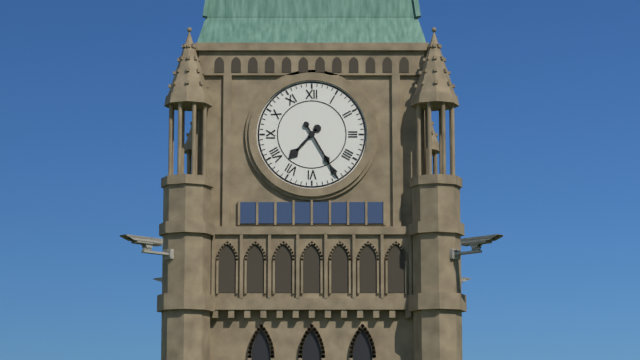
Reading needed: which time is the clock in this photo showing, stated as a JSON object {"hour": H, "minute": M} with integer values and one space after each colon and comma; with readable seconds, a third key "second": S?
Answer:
{"hour": 7, "minute": 25}
